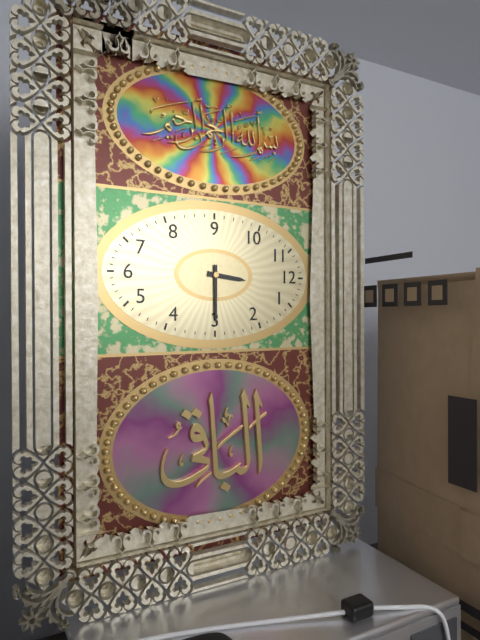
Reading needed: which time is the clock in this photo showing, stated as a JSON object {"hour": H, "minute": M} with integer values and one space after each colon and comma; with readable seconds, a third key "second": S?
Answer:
{"hour": 12, "minute": 15}
